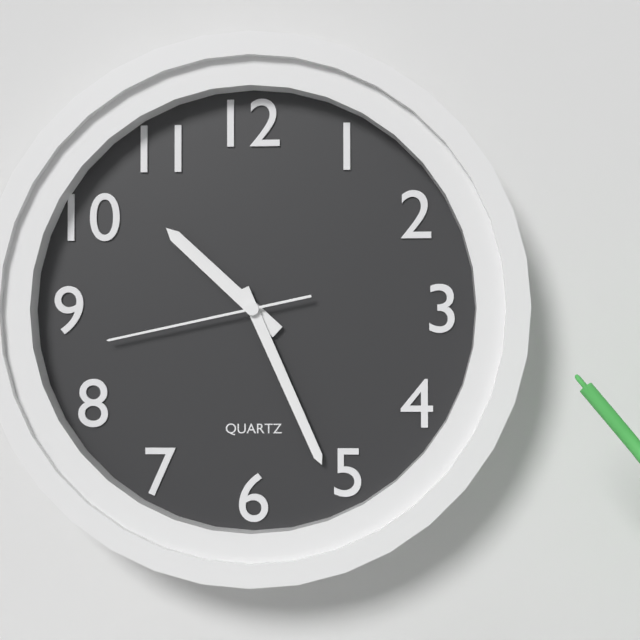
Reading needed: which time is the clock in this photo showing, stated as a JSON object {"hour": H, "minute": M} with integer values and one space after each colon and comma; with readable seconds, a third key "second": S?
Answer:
{"hour": 10, "minute": 26, "second": 43}
